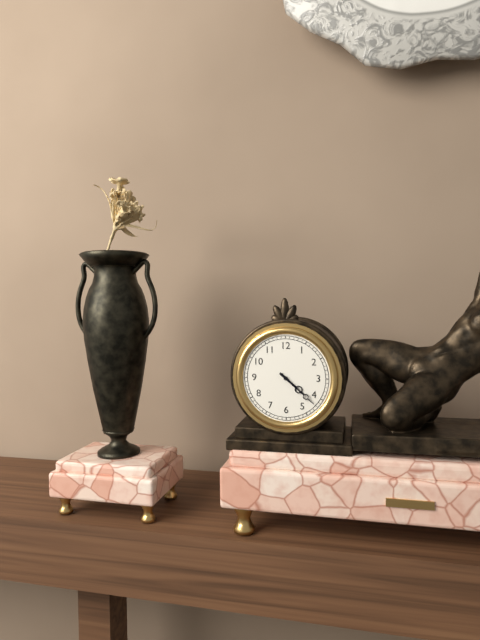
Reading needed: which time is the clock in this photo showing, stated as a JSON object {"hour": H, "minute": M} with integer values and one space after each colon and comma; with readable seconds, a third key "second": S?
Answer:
{"hour": 4, "minute": 22}
